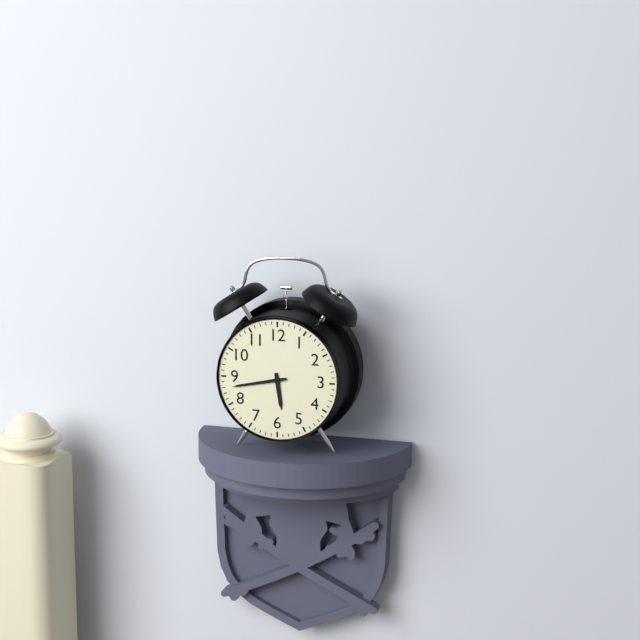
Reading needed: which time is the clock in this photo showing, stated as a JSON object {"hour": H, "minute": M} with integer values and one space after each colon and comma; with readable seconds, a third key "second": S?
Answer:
{"hour": 5, "minute": 43}
